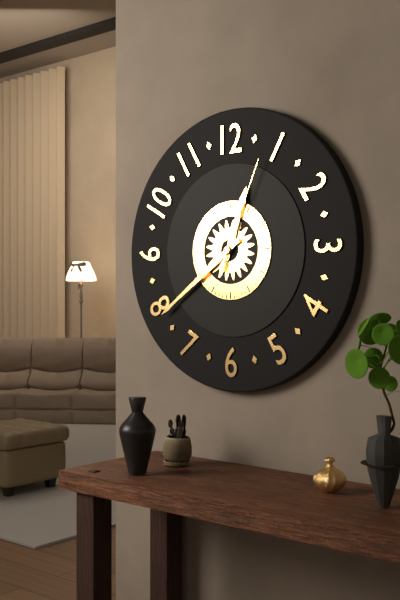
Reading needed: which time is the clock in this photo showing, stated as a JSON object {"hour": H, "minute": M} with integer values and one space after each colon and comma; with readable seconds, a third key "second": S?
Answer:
{"hour": 12, "minute": 39, "second": 4}
